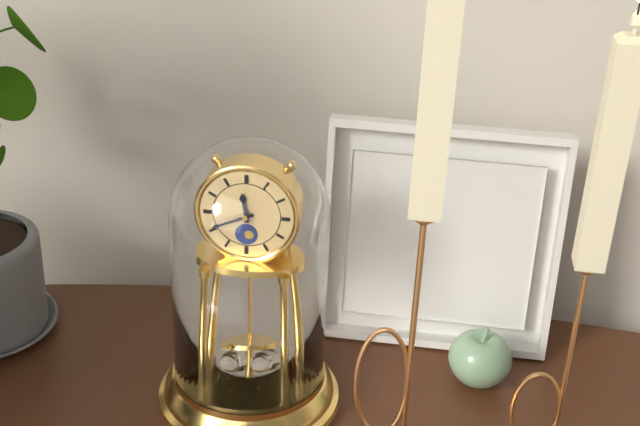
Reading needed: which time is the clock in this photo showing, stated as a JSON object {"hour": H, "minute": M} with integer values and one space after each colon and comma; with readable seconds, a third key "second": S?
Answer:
{"hour": 11, "minute": 41}
